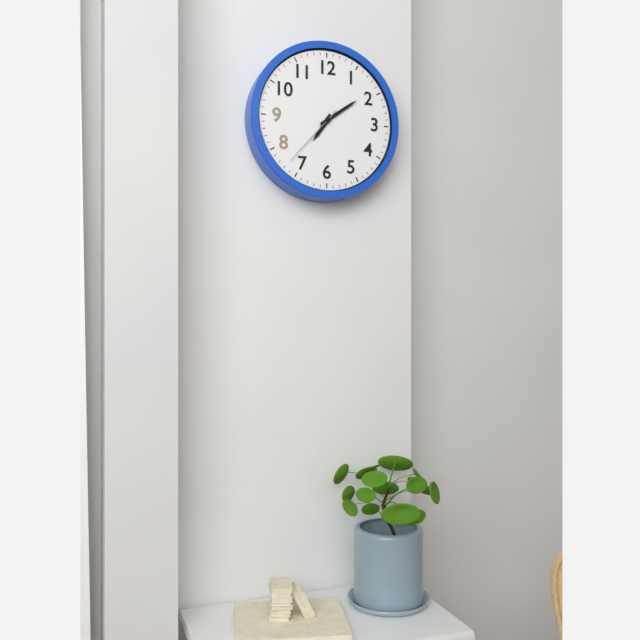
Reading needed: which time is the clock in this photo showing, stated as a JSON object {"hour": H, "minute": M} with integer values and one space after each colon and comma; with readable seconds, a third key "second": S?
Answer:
{"hour": 7, "minute": 9, "second": 37}
